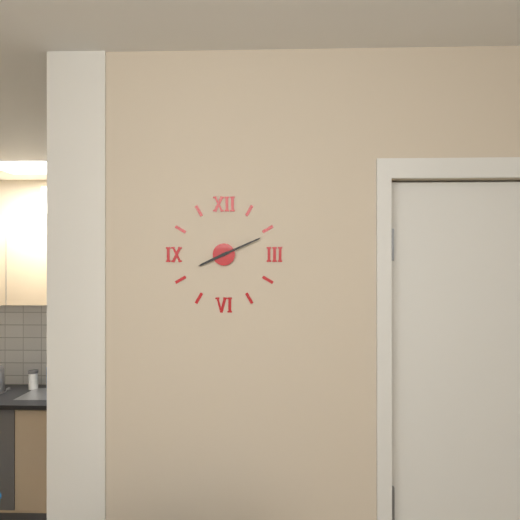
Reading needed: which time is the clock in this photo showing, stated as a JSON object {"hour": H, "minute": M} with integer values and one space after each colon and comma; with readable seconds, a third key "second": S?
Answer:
{"hour": 8, "minute": 11}
